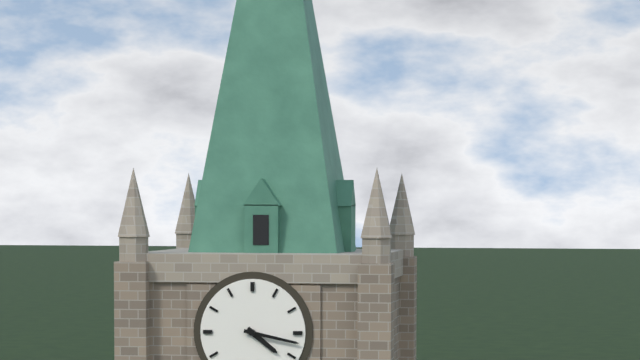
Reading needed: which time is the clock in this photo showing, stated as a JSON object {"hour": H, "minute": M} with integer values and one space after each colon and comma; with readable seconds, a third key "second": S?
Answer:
{"hour": 4, "minute": 17}
